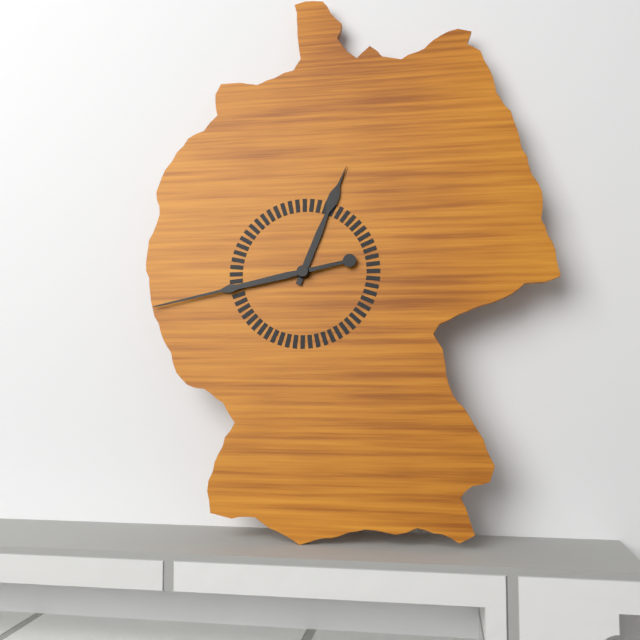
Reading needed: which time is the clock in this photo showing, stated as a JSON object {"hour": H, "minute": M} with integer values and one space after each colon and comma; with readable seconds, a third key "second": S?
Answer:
{"hour": 12, "minute": 43}
